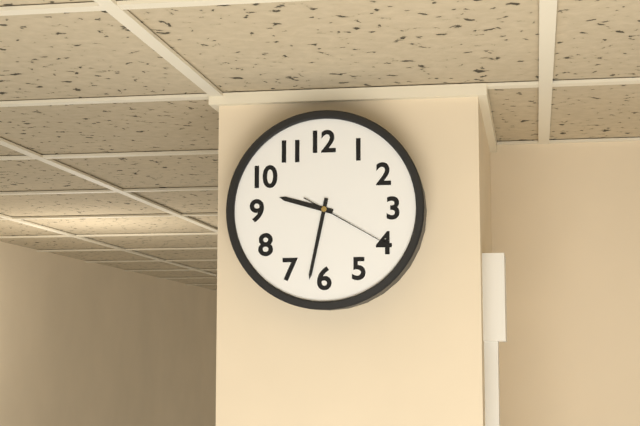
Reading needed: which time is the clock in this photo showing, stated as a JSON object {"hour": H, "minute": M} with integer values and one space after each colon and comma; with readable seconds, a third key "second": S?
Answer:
{"hour": 9, "minute": 32, "second": 20}
